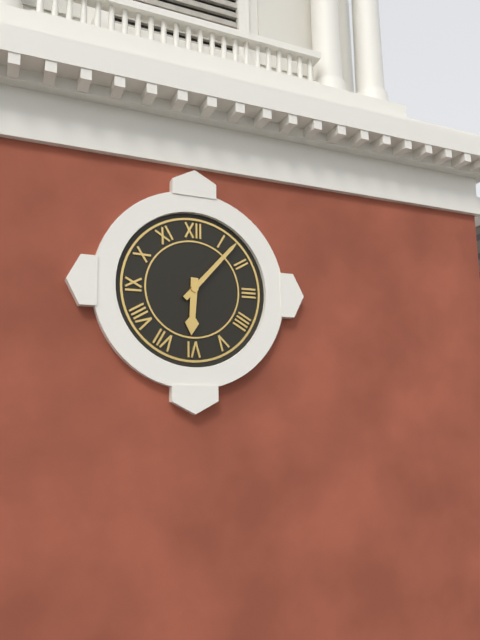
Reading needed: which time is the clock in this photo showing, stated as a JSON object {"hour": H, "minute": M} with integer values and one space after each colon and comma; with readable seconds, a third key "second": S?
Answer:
{"hour": 6, "minute": 7}
